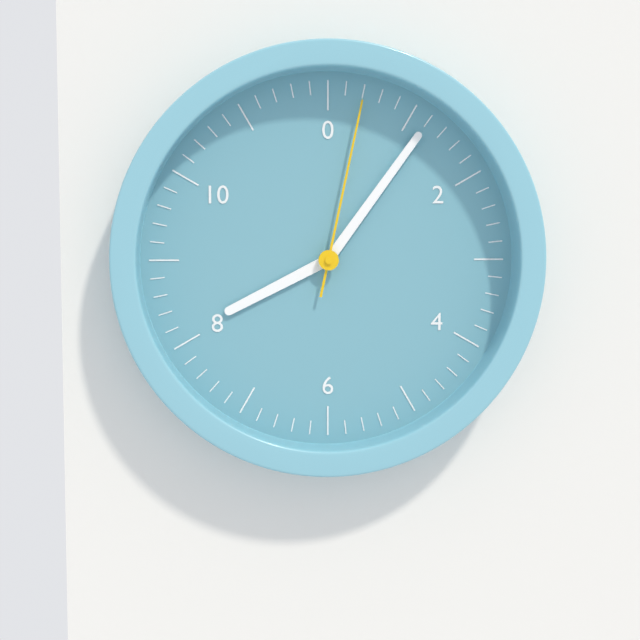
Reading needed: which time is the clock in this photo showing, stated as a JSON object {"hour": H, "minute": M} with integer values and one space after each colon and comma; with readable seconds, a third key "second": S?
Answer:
{"hour": 8, "minute": 6, "second": 2}
